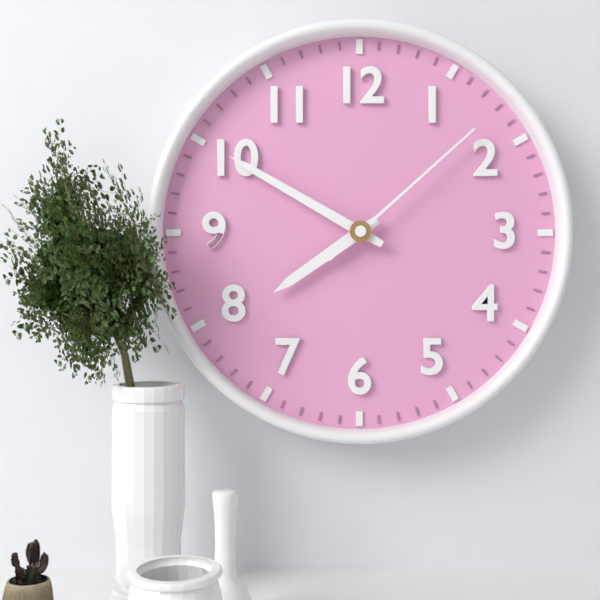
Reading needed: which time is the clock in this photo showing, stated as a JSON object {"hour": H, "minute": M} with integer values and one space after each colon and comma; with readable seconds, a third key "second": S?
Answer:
{"hour": 7, "minute": 50, "second": 8}
